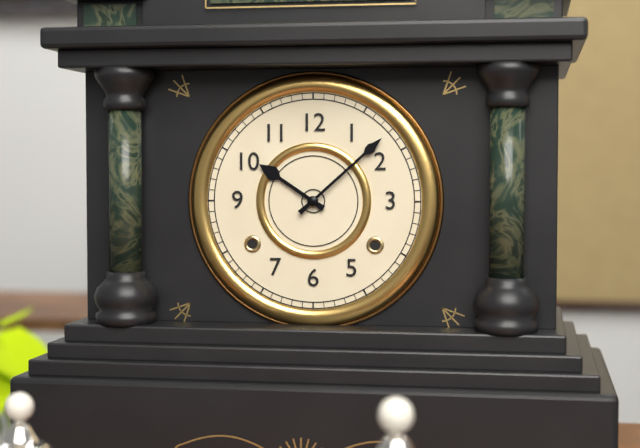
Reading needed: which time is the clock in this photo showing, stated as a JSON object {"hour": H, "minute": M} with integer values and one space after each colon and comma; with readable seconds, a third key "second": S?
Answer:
{"hour": 10, "minute": 8}
